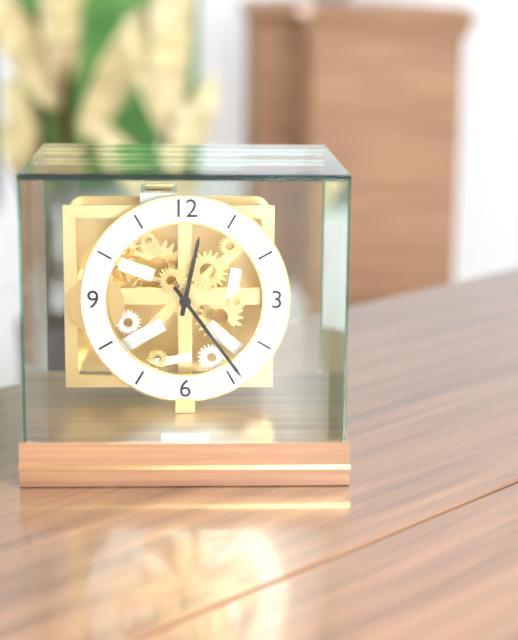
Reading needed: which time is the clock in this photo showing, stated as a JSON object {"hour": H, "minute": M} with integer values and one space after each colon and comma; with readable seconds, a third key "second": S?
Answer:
{"hour": 12, "minute": 24}
